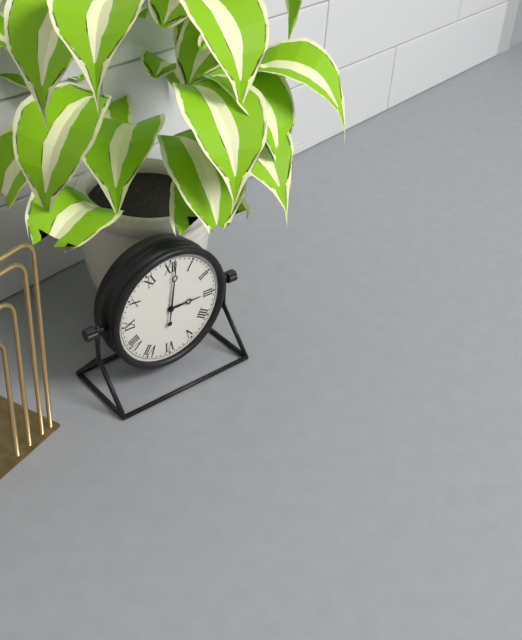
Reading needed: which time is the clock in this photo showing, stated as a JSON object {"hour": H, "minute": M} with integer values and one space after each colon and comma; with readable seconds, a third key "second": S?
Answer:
{"hour": 3, "minute": 1}
